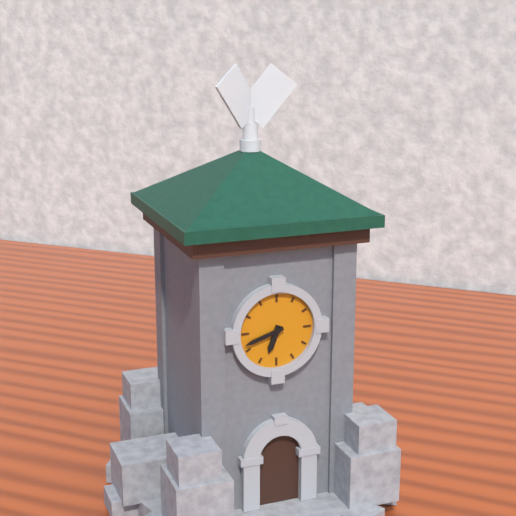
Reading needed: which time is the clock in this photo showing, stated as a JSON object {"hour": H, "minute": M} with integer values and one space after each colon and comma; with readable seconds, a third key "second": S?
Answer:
{"hour": 6, "minute": 42}
